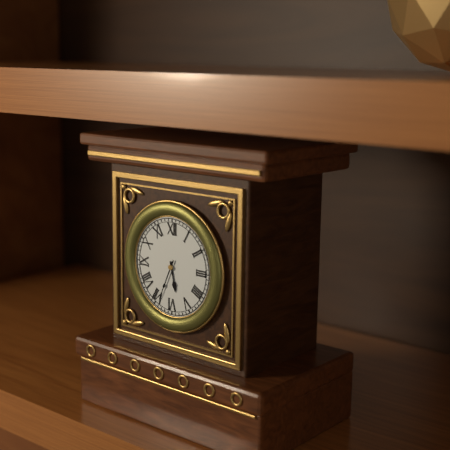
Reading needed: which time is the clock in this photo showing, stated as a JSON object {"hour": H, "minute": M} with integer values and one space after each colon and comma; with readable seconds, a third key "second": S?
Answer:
{"hour": 5, "minute": 34}
